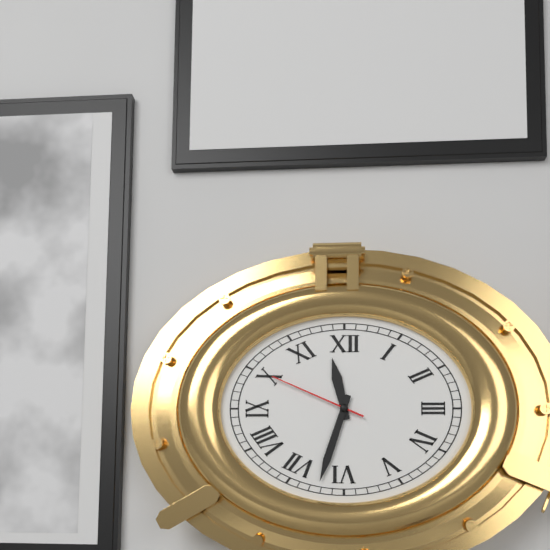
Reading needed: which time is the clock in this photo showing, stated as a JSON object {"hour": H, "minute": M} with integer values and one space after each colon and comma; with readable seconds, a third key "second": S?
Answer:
{"hour": 11, "minute": 33, "second": 49}
